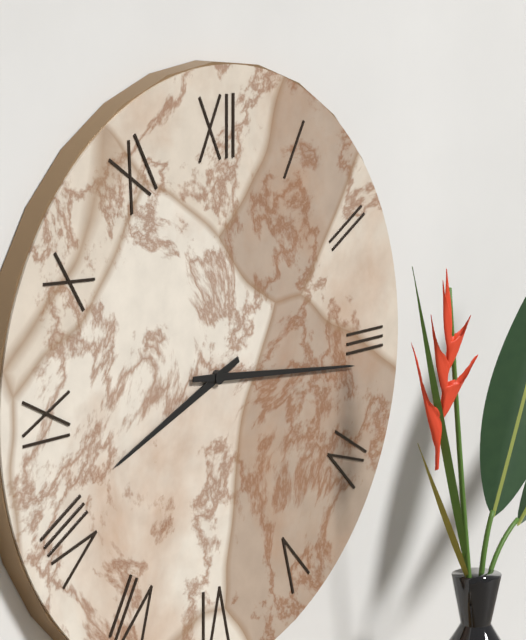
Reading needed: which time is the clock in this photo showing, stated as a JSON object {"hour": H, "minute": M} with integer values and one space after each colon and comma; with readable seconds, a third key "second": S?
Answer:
{"hour": 8, "minute": 16}
